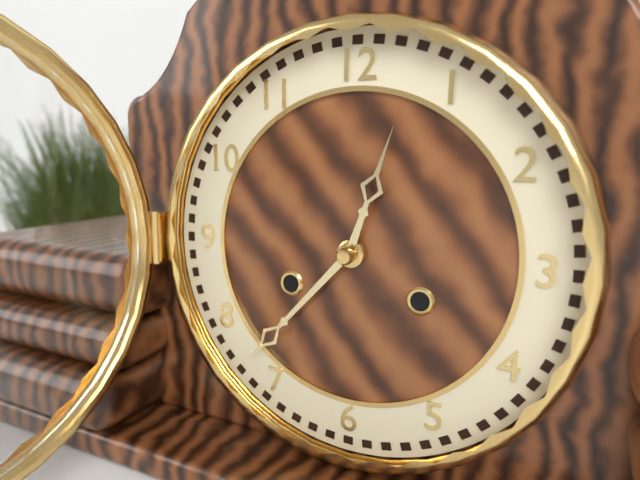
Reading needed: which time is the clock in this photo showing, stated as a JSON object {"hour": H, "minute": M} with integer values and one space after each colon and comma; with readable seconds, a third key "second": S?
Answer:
{"hour": 12, "minute": 37}
